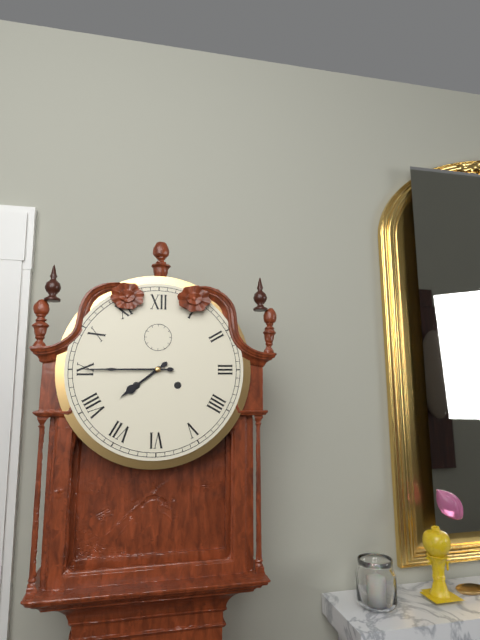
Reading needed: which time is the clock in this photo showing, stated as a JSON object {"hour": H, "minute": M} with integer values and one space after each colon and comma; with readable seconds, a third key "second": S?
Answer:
{"hour": 7, "minute": 45}
